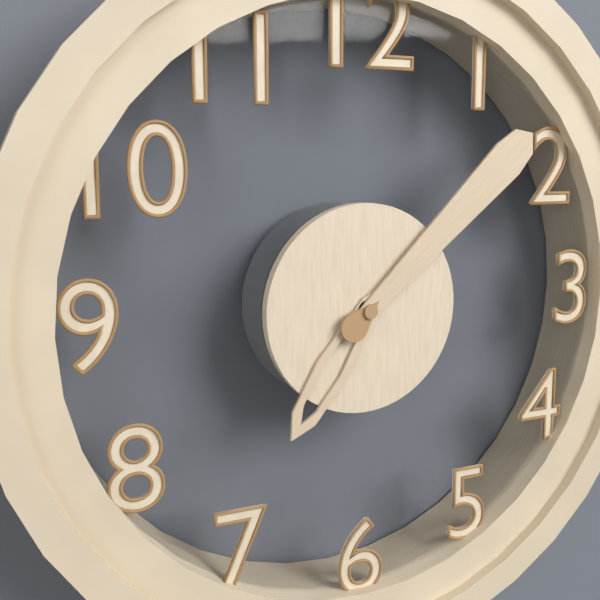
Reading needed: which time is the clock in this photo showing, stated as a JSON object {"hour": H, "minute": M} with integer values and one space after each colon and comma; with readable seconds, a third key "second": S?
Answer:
{"hour": 7, "minute": 8}
